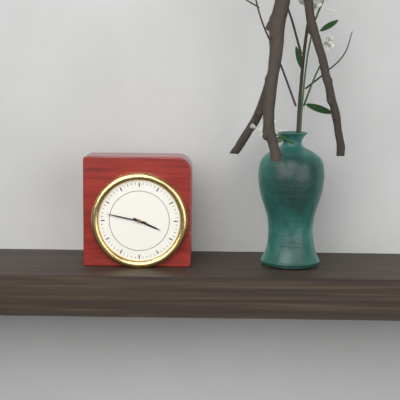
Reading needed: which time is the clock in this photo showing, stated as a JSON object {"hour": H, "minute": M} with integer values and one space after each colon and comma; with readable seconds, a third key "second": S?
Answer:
{"hour": 3, "minute": 47}
